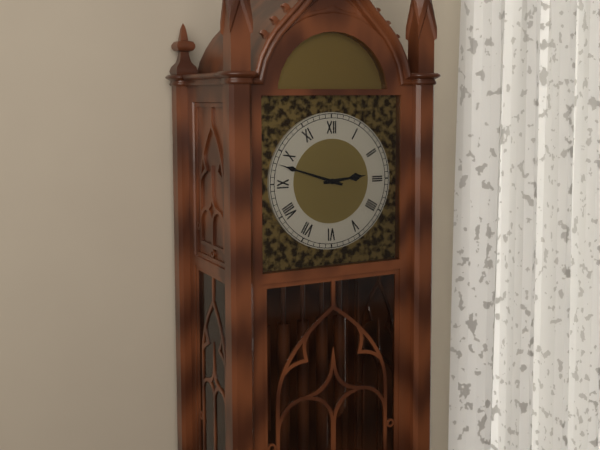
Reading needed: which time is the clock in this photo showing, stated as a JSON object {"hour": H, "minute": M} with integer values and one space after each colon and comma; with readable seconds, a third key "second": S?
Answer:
{"hour": 2, "minute": 48}
